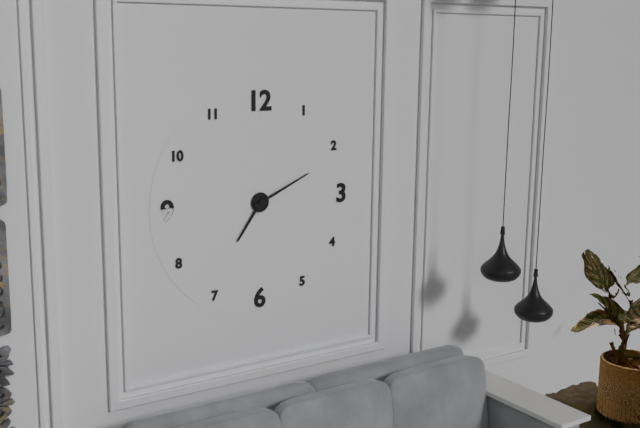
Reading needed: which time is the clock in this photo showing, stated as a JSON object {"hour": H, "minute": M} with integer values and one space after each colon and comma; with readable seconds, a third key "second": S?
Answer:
{"hour": 7, "minute": 11}
